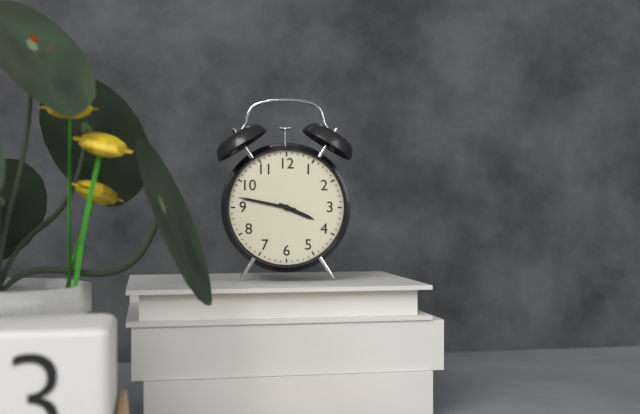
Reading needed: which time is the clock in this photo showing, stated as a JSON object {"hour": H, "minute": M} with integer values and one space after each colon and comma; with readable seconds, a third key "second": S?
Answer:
{"hour": 3, "minute": 47}
